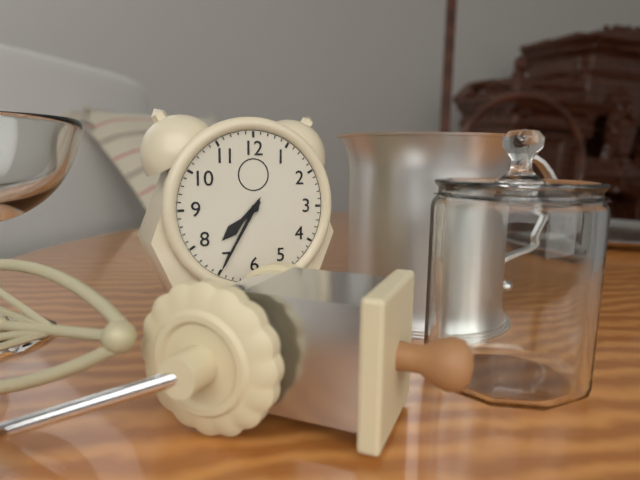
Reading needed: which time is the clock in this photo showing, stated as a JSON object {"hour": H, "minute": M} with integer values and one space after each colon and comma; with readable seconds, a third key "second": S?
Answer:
{"hour": 7, "minute": 35}
